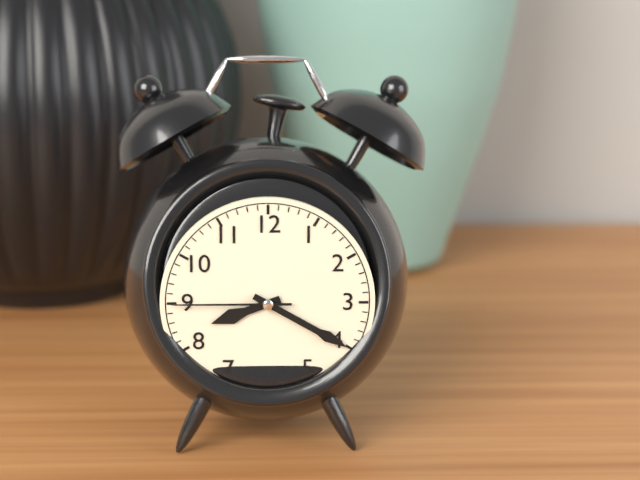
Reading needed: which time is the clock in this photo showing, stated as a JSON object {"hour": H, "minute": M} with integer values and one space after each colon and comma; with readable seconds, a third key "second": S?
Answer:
{"hour": 8, "minute": 20, "second": 45}
